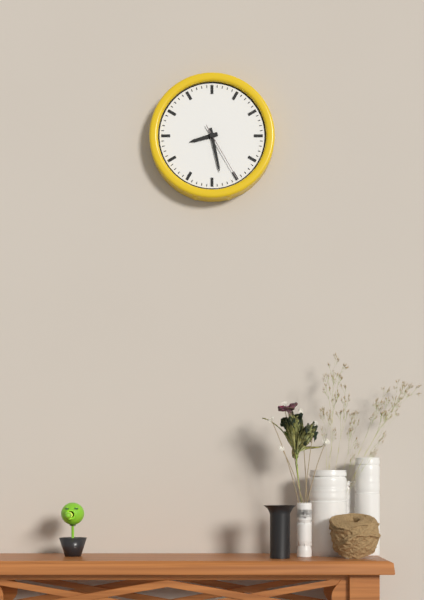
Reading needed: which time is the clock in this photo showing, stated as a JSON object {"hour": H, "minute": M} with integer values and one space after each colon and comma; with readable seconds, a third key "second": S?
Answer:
{"hour": 8, "minute": 28, "second": 25}
